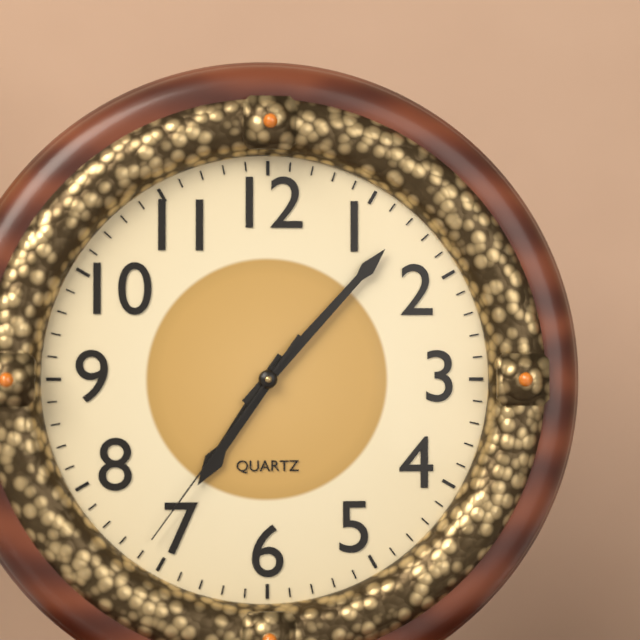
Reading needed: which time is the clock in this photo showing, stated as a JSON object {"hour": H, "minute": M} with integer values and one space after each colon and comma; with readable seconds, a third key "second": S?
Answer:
{"hour": 7, "minute": 7, "second": 36}
